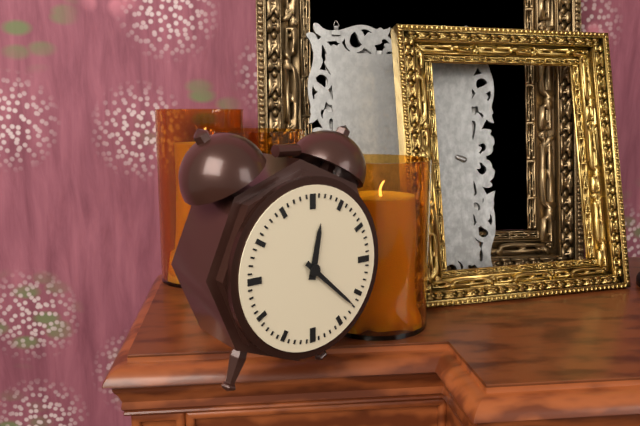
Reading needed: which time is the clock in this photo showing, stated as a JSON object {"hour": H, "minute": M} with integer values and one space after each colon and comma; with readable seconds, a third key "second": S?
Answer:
{"hour": 12, "minute": 22}
